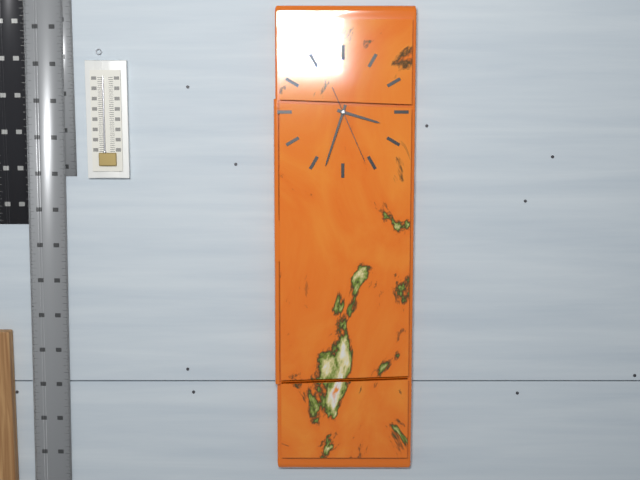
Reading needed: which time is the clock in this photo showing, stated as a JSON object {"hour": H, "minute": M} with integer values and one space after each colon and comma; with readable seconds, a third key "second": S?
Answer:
{"hour": 3, "minute": 33, "second": 26}
